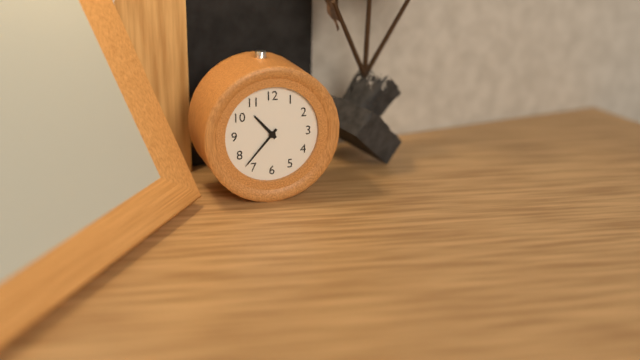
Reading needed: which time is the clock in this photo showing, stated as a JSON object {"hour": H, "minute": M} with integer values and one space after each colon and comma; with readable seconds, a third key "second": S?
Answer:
{"hour": 10, "minute": 37}
